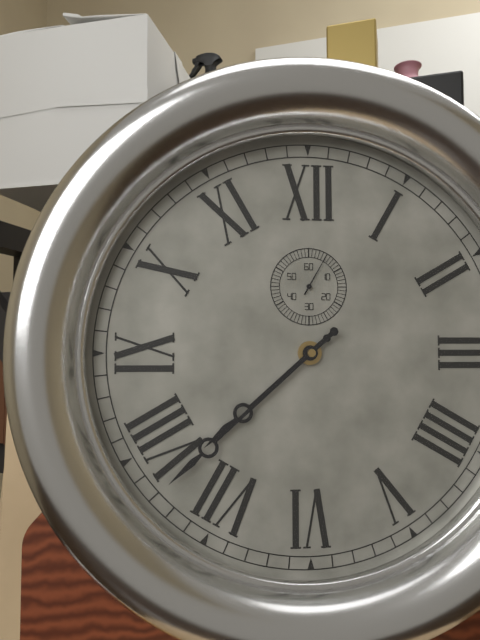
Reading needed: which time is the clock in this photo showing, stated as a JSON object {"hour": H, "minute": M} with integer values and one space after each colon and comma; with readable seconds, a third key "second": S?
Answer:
{"hour": 7, "minute": 38}
